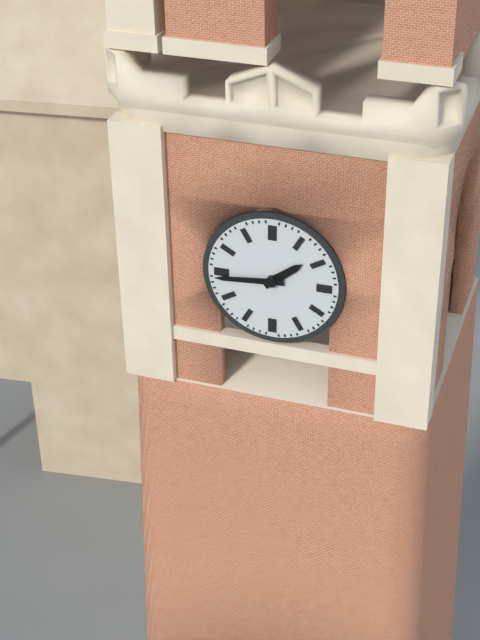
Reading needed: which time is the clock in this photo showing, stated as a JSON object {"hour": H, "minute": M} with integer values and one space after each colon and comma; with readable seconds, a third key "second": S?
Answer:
{"hour": 1, "minute": 44}
